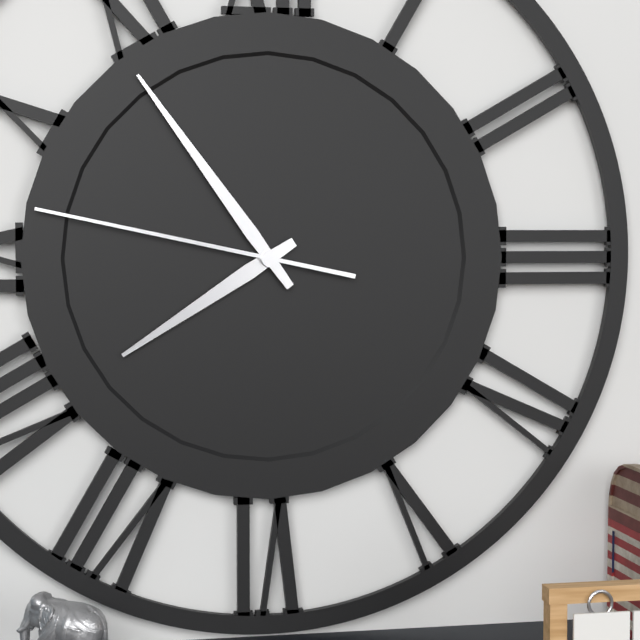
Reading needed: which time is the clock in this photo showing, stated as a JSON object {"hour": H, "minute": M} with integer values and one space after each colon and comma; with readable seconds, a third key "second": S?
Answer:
{"hour": 7, "minute": 54, "second": 47}
